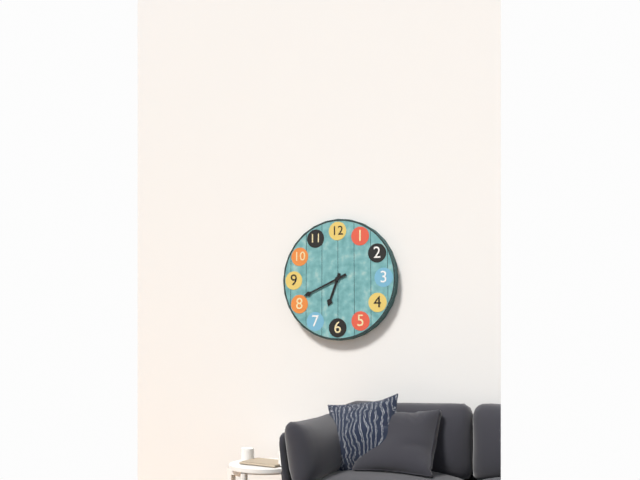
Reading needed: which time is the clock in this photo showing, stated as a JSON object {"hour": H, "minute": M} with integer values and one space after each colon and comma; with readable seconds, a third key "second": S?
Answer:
{"hour": 6, "minute": 41}
